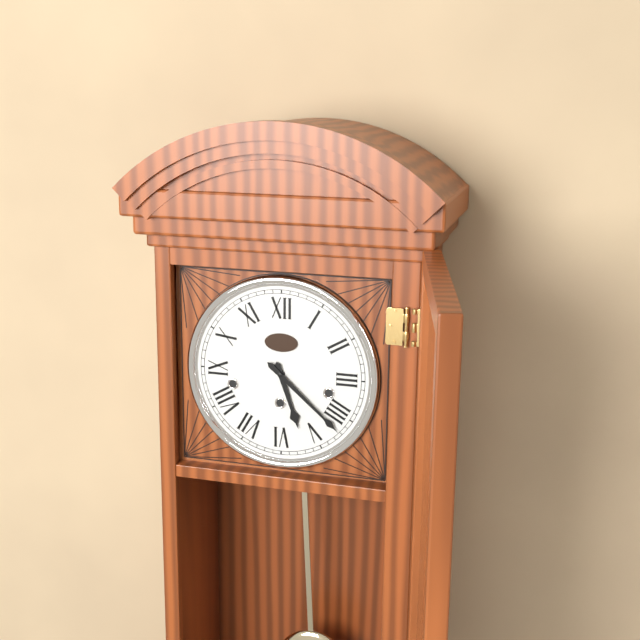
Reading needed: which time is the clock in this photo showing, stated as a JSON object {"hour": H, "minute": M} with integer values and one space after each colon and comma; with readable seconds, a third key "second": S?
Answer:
{"hour": 5, "minute": 22}
